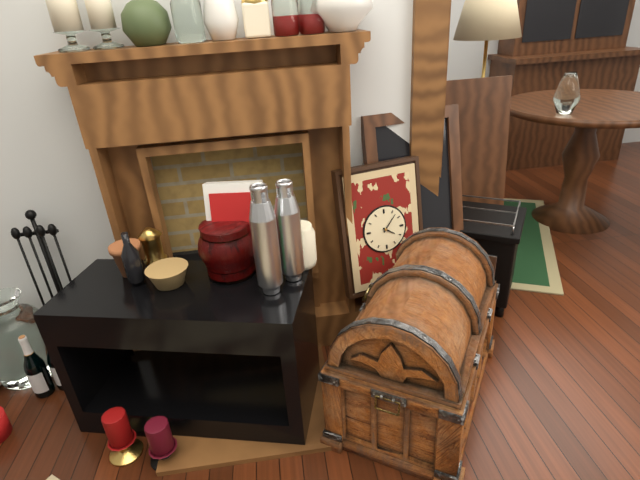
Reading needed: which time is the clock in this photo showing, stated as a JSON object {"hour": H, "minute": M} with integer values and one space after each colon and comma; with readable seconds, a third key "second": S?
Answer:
{"hour": 4, "minute": 7}
